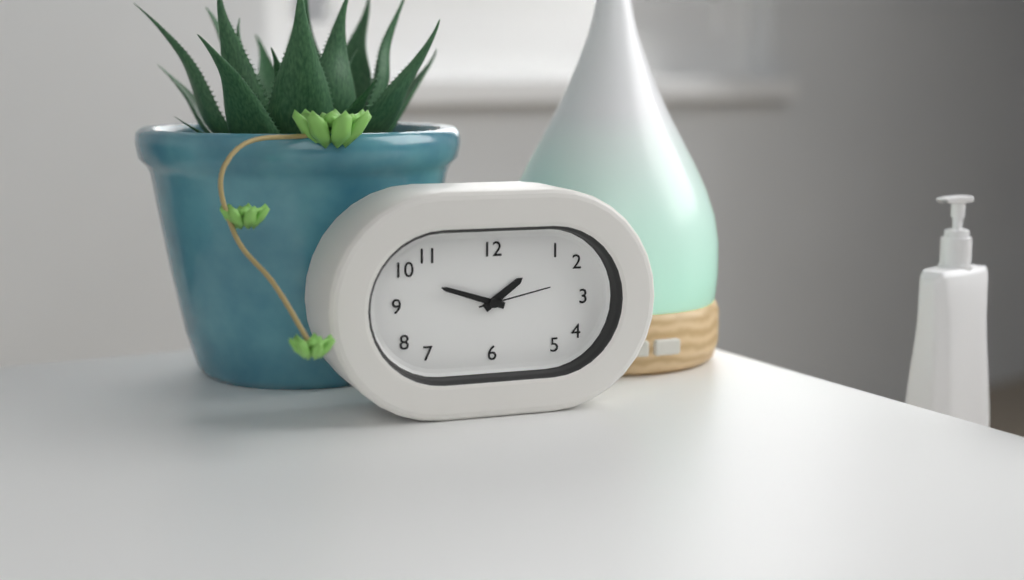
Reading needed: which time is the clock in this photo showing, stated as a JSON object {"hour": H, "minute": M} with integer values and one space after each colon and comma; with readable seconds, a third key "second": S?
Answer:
{"hour": 1, "minute": 48, "second": 13}
